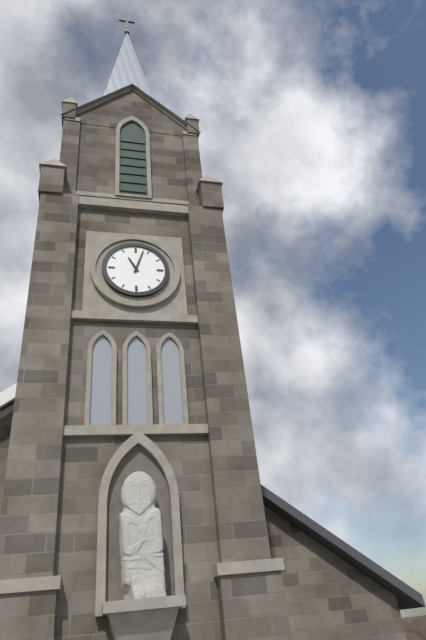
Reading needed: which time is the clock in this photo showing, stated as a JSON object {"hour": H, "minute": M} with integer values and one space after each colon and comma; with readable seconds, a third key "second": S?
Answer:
{"hour": 11, "minute": 3}
